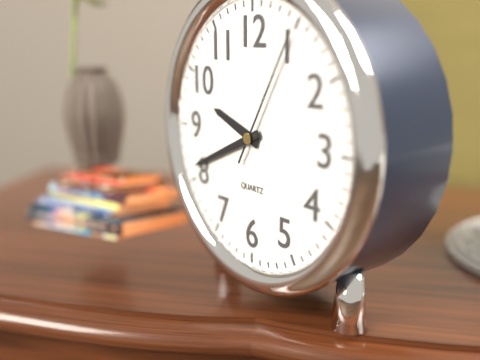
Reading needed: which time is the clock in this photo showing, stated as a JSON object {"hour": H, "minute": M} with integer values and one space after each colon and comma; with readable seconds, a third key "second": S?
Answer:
{"hour": 9, "minute": 41, "second": 5}
